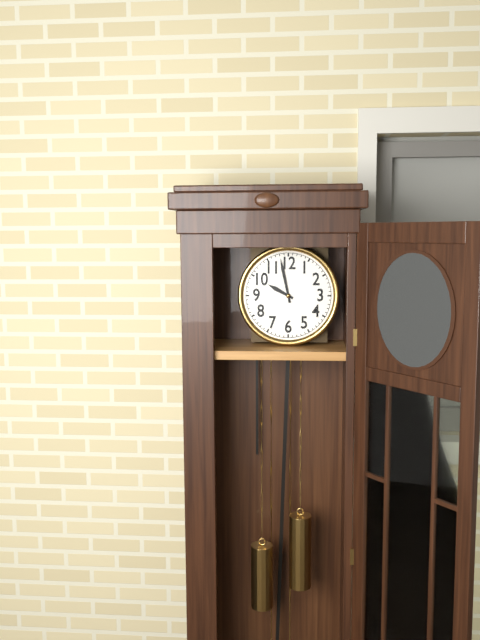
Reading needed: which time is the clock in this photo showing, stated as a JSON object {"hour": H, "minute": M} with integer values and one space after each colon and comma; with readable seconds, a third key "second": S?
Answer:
{"hour": 9, "minute": 58}
